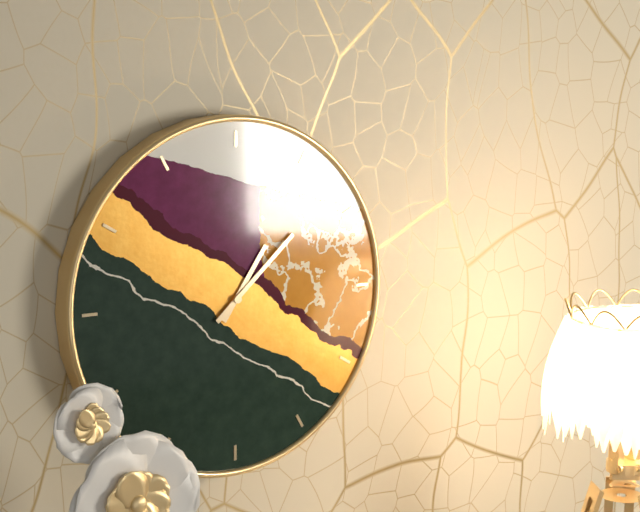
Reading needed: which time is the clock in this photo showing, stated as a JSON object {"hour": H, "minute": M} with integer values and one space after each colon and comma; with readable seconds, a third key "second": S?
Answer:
{"hour": 1, "minute": 8}
